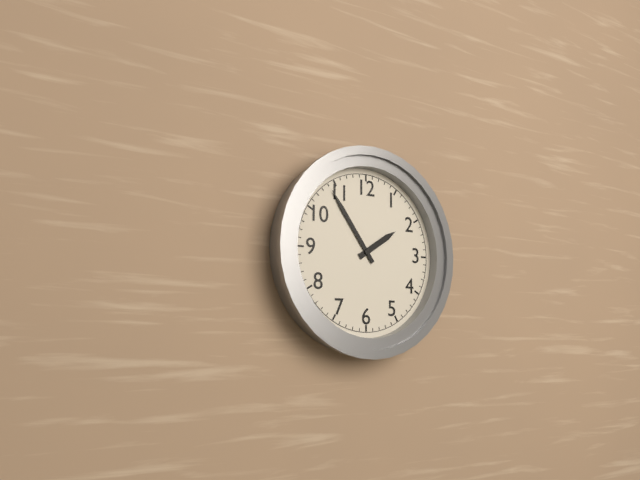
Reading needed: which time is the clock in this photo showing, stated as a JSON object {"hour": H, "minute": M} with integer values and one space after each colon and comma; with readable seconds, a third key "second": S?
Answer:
{"hour": 1, "minute": 54}
